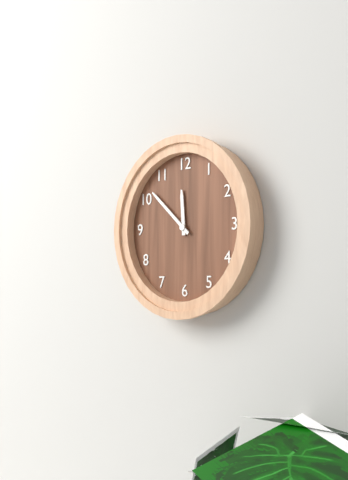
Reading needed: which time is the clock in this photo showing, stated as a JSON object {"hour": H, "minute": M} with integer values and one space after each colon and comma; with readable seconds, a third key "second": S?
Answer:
{"hour": 11, "minute": 52}
